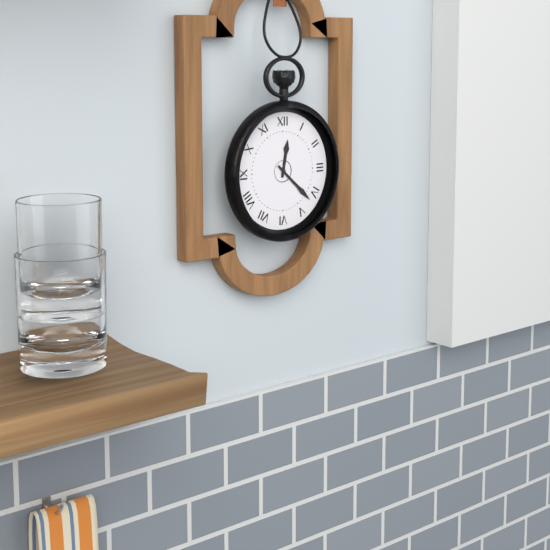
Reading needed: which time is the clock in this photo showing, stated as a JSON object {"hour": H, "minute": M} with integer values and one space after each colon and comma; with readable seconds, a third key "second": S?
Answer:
{"hour": 12, "minute": 22}
